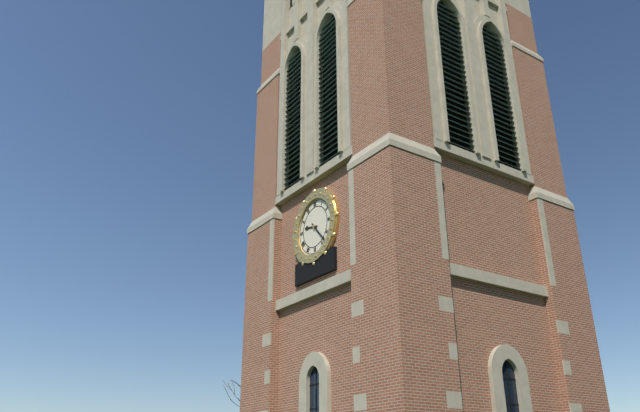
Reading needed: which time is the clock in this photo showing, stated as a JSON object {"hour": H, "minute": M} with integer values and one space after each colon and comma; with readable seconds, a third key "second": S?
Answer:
{"hour": 9, "minute": 23}
